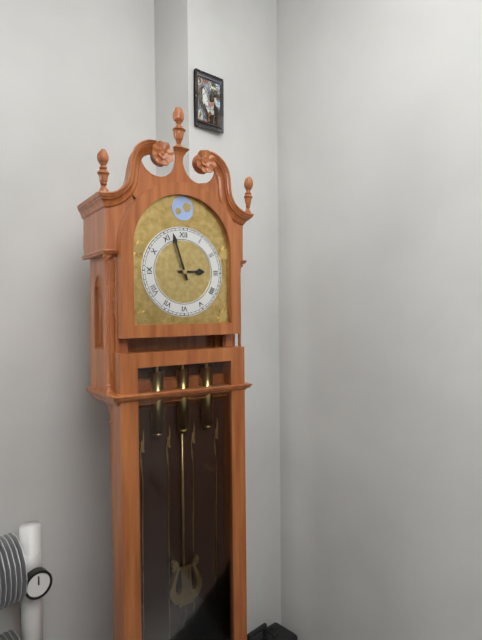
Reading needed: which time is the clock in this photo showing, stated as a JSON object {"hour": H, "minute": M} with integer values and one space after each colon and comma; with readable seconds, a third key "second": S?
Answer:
{"hour": 2, "minute": 57}
